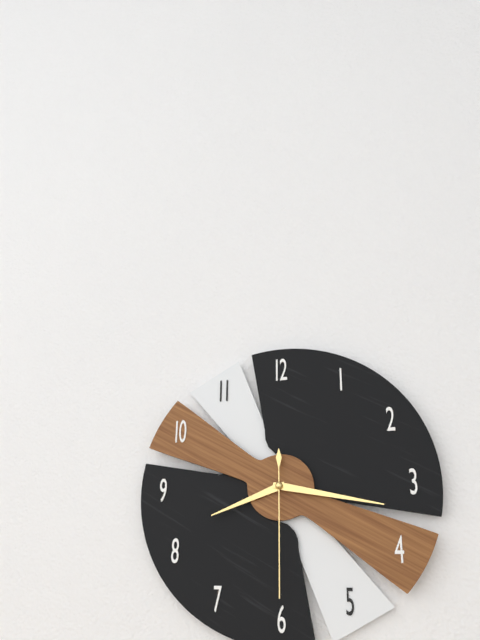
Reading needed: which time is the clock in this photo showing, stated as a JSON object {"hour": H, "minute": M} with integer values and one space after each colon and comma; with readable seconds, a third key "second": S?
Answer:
{"hour": 8, "minute": 17, "second": 30}
